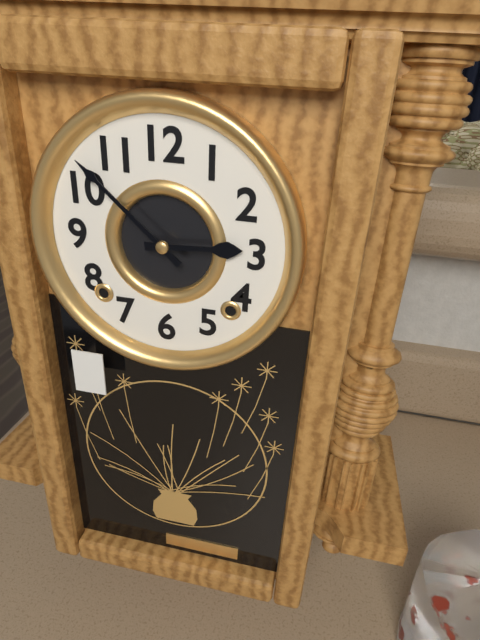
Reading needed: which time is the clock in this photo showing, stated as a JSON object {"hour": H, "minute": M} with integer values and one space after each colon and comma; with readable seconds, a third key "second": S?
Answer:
{"hour": 2, "minute": 52}
